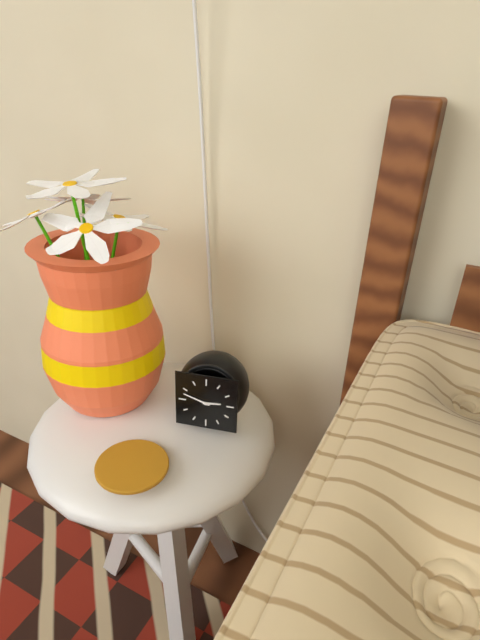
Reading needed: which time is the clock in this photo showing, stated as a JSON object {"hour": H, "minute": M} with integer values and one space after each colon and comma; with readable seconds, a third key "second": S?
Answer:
{"hour": 2, "minute": 48}
